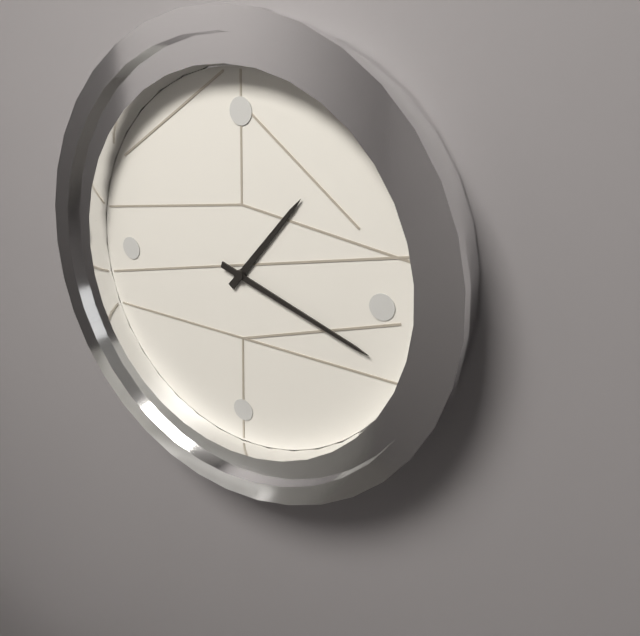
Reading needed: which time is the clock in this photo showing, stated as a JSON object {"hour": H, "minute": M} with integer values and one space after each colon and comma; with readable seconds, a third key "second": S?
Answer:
{"hour": 1, "minute": 18}
